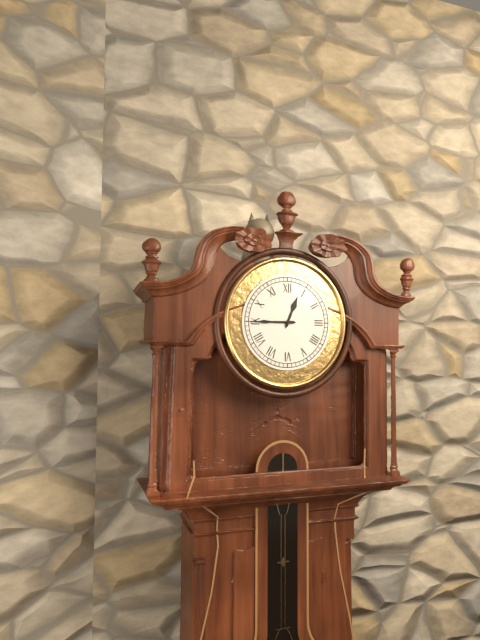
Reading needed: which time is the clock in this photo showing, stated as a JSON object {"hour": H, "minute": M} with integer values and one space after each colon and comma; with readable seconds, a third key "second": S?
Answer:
{"hour": 12, "minute": 45}
